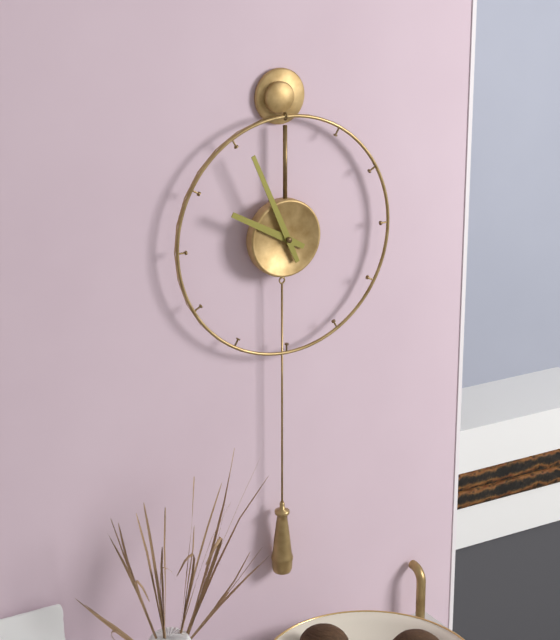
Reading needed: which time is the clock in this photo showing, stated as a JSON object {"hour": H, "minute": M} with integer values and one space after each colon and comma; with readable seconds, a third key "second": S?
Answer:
{"hour": 9, "minute": 56}
